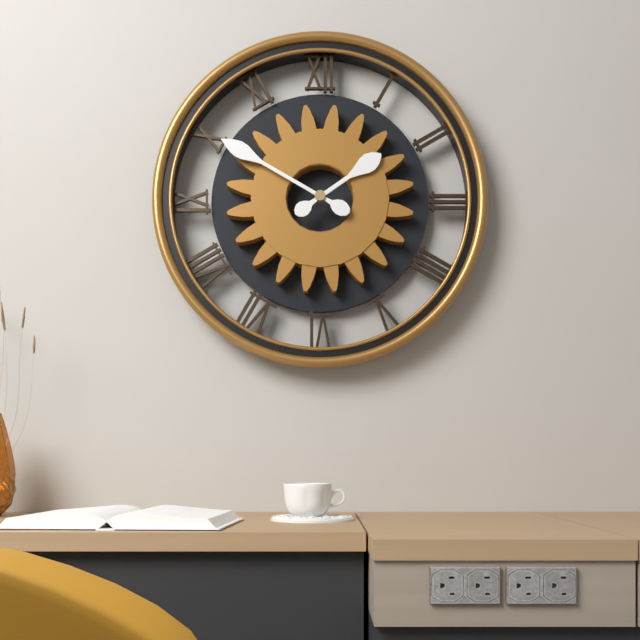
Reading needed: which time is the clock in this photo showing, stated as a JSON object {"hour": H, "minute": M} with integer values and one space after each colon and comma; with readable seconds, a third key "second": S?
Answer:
{"hour": 1, "minute": 50}
